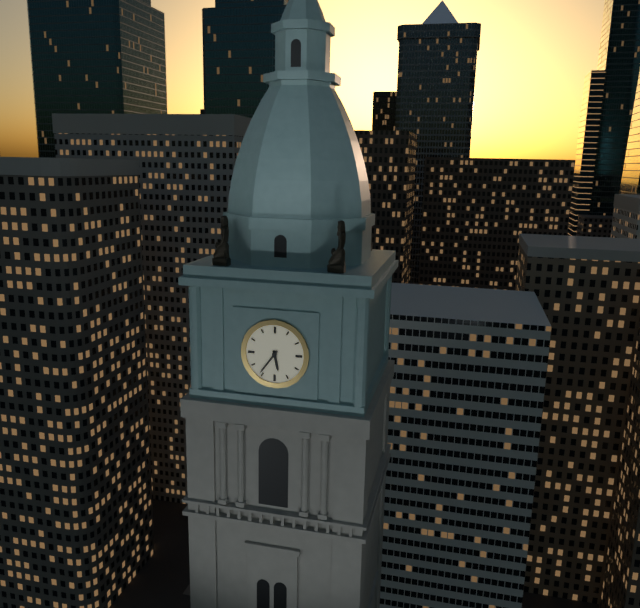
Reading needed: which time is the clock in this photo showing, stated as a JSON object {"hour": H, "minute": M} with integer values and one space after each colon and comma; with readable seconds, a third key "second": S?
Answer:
{"hour": 5, "minute": 36}
